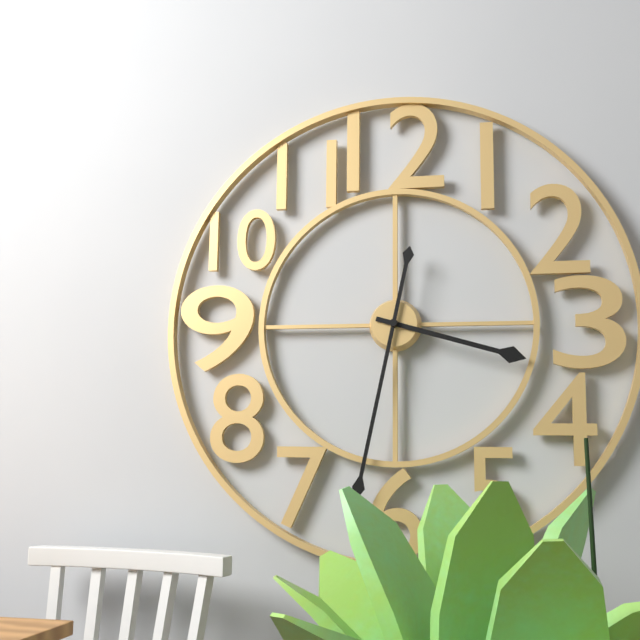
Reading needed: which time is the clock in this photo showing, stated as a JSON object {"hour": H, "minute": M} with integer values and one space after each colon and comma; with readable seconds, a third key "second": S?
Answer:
{"hour": 3, "minute": 32}
